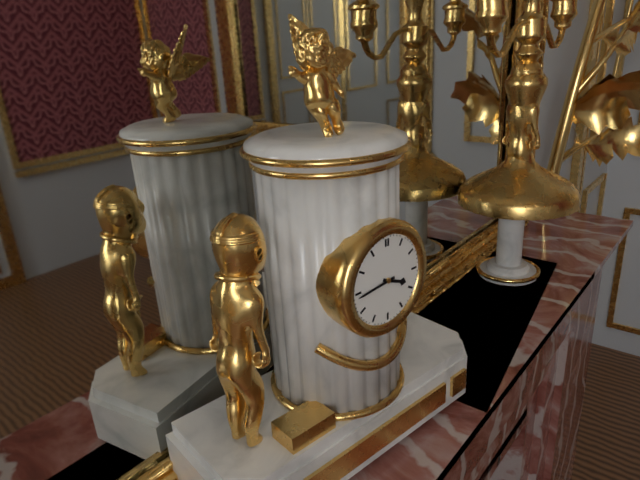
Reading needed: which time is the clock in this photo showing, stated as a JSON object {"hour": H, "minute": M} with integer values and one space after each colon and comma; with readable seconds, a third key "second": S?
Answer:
{"hour": 3, "minute": 44}
